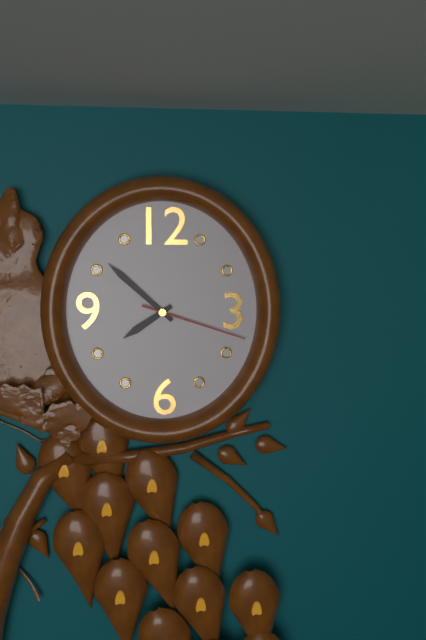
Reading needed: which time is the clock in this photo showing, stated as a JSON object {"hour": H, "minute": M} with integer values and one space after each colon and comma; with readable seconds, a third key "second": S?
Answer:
{"hour": 7, "minute": 52, "second": 18}
